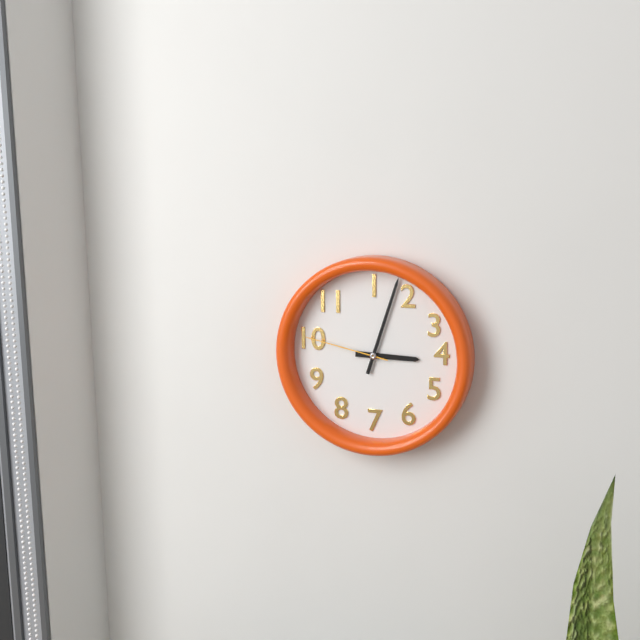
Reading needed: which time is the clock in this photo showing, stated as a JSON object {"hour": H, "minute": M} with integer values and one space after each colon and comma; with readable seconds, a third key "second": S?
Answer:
{"hour": 3, "minute": 3, "second": 47}
